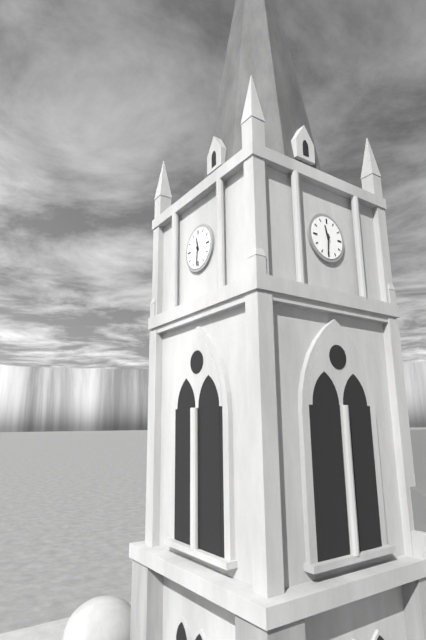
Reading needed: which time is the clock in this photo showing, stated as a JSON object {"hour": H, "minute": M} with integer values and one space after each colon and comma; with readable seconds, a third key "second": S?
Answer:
{"hour": 11, "minute": 31}
